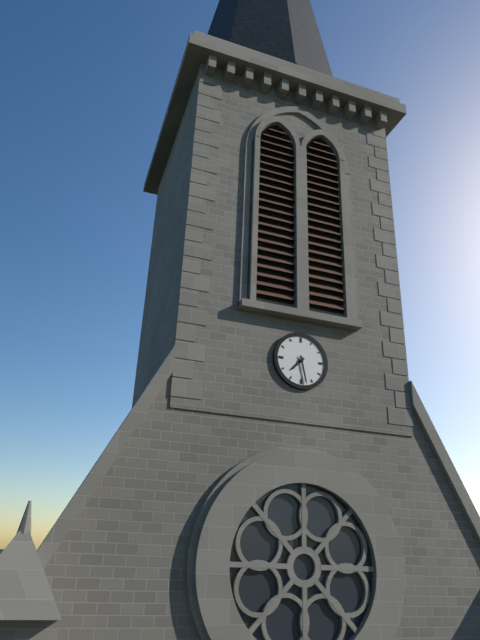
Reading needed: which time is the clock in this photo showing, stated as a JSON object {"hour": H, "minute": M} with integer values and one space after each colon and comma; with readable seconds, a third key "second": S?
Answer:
{"hour": 7, "minute": 28}
